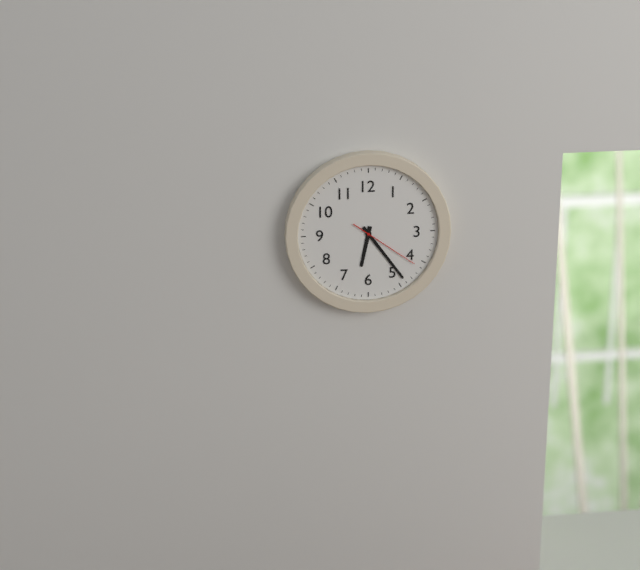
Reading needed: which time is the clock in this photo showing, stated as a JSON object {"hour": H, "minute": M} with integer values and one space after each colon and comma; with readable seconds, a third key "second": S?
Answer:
{"hour": 6, "minute": 24, "second": 21}
